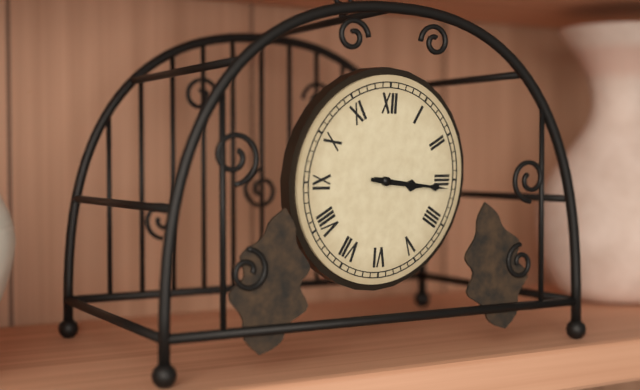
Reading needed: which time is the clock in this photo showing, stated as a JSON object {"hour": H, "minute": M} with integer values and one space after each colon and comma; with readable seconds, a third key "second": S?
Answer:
{"hour": 3, "minute": 16}
